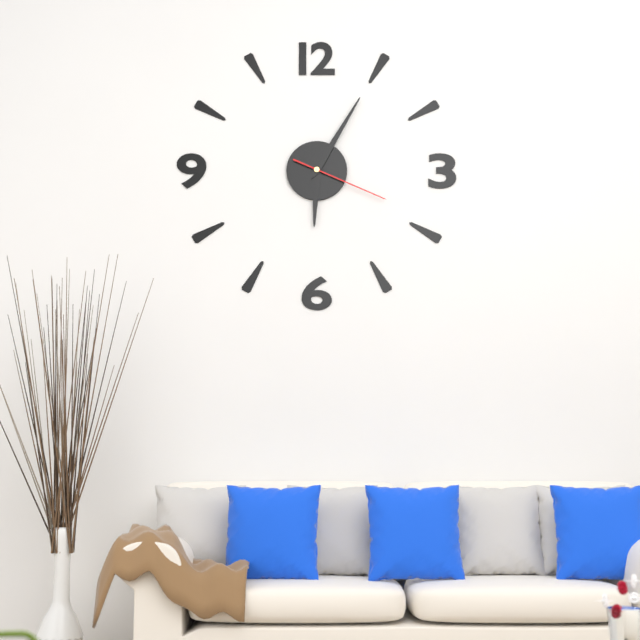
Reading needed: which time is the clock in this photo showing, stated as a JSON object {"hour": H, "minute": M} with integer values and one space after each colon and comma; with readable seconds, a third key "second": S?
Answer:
{"hour": 6, "minute": 5, "second": 19}
